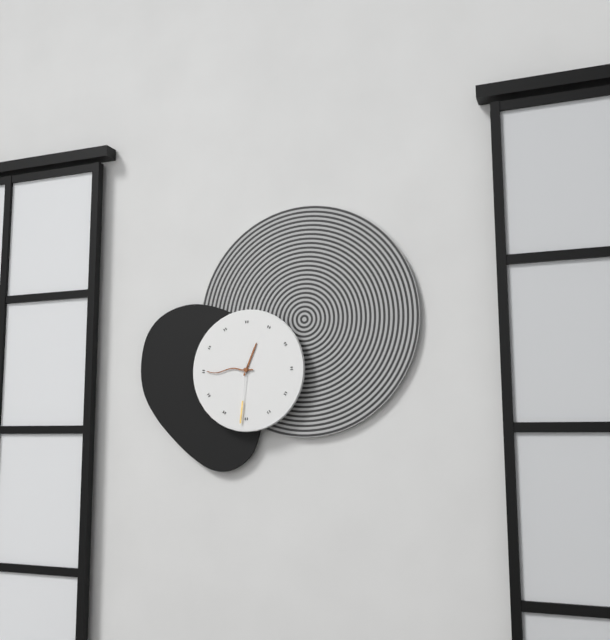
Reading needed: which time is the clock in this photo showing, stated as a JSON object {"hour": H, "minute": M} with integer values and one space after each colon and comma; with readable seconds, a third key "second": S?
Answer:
{"hour": 12, "minute": 45, "second": 31}
